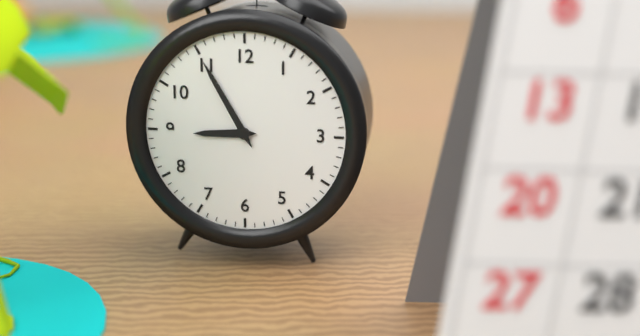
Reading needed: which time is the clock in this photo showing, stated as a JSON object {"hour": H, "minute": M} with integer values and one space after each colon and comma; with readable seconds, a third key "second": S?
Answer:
{"hour": 8, "minute": 55}
